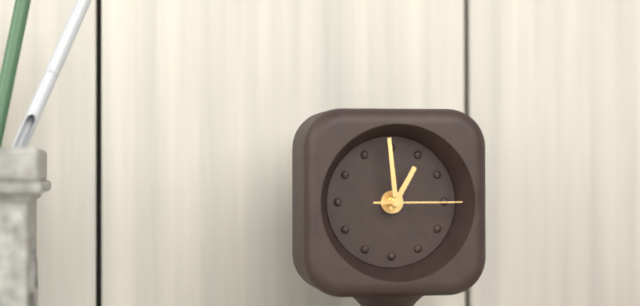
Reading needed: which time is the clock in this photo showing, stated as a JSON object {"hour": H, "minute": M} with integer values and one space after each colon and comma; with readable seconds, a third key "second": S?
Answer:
{"hour": 12, "minute": 59, "second": 15}
